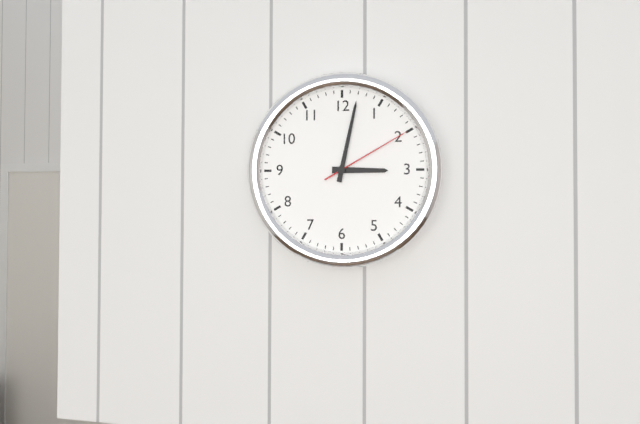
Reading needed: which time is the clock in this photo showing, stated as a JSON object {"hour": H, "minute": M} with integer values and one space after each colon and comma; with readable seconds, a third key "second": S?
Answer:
{"hour": 3, "minute": 2, "second": 10}
